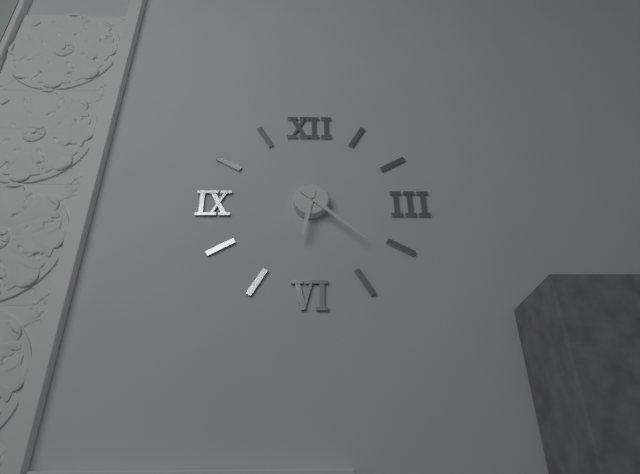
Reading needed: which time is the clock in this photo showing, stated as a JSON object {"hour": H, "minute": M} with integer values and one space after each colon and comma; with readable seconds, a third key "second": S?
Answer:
{"hour": 6, "minute": 22}
